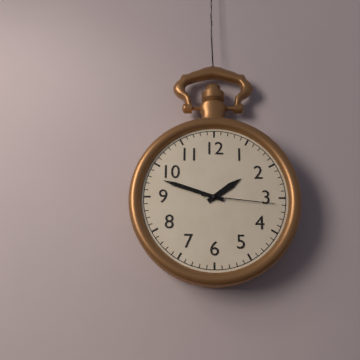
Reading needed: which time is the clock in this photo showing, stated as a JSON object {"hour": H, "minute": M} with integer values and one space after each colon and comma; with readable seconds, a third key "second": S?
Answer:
{"hour": 1, "minute": 48, "second": 16}
